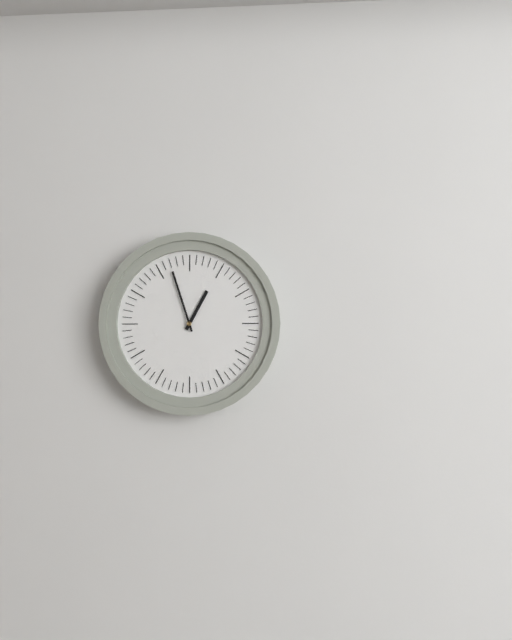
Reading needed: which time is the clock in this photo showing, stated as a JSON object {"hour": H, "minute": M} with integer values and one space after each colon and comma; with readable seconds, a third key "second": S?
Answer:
{"hour": 12, "minute": 57}
